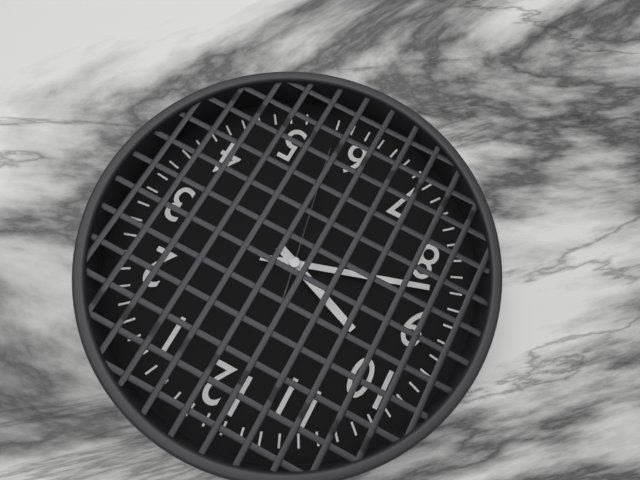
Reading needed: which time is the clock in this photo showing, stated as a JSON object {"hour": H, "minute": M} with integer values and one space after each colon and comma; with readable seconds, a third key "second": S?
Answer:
{"hour": 9, "minute": 42, "second": 28}
